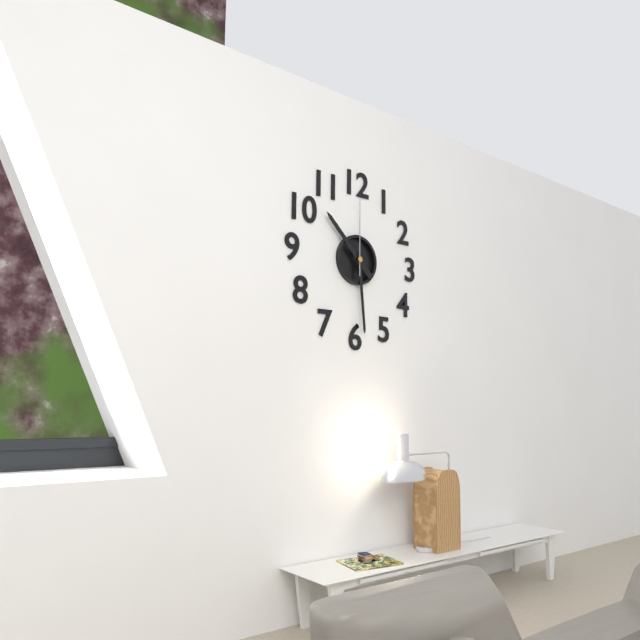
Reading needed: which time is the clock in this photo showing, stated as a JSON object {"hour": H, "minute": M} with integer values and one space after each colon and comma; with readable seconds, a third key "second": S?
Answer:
{"hour": 10, "minute": 29, "second": 0}
